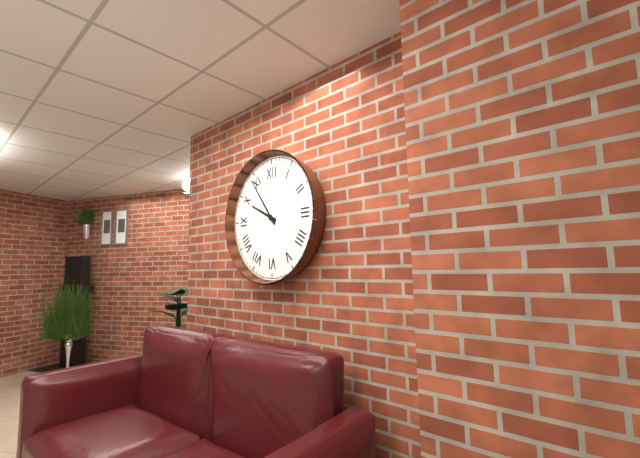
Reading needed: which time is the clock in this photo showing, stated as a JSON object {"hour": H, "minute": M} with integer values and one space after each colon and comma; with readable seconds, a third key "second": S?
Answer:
{"hour": 9, "minute": 54}
